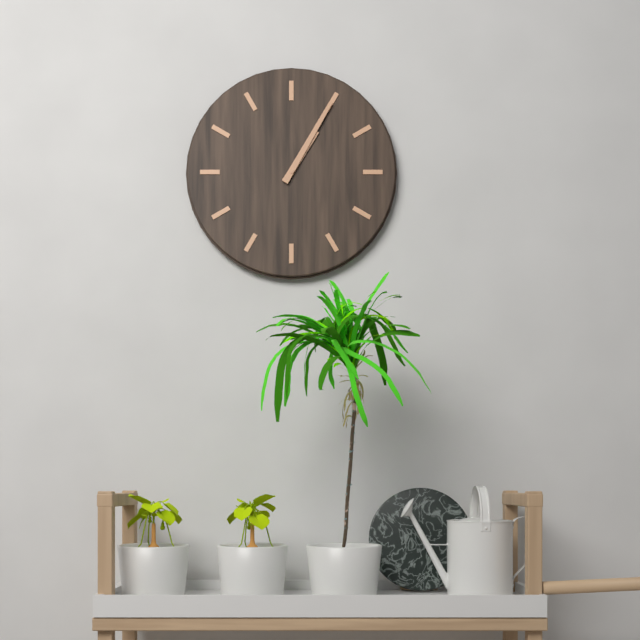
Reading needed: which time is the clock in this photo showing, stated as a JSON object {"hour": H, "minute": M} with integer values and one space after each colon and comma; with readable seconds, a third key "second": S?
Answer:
{"hour": 1, "minute": 5}
